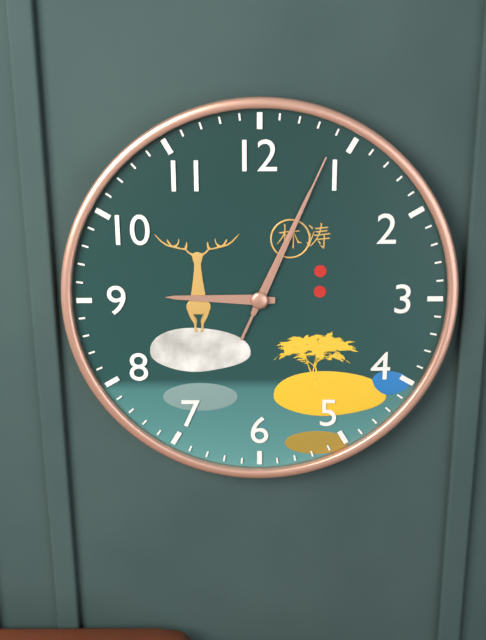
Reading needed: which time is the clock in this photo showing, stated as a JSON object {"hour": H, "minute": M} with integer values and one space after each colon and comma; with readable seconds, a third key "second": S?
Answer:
{"hour": 9, "minute": 4, "second": 4}
